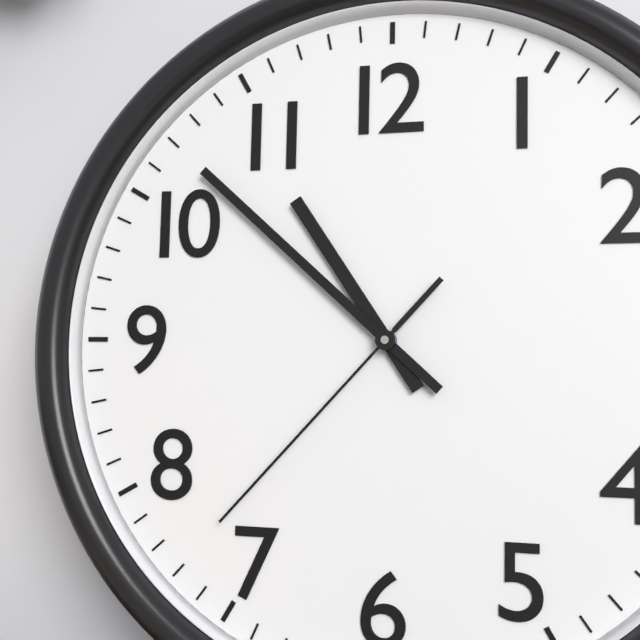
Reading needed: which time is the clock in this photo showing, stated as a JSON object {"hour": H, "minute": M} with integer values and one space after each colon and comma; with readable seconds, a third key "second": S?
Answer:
{"hour": 10, "minute": 52, "second": 37}
